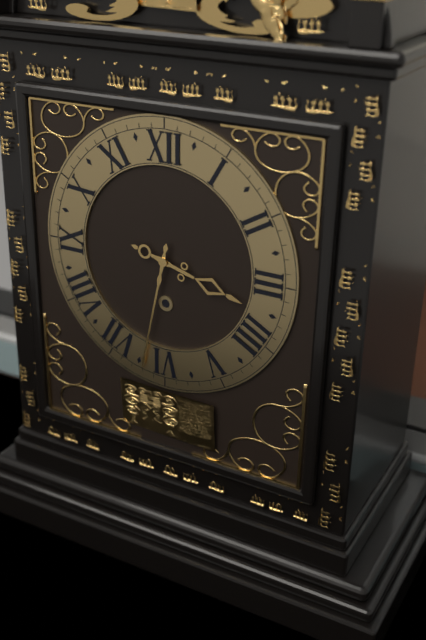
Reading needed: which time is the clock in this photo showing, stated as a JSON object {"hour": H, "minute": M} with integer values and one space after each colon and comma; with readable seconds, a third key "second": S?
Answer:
{"hour": 3, "minute": 32}
